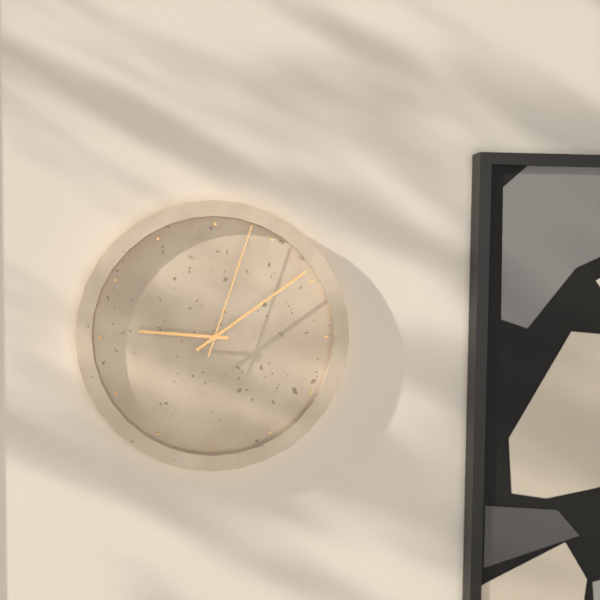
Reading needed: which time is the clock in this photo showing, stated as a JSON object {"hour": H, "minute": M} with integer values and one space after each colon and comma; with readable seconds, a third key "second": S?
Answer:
{"hour": 9, "minute": 9, "second": 3}
